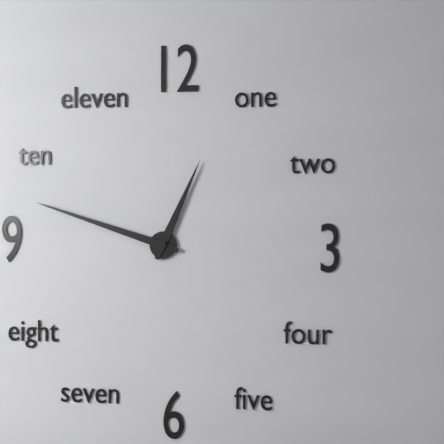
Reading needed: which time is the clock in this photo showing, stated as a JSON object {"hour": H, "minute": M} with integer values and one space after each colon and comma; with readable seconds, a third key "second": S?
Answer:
{"hour": 12, "minute": 48}
